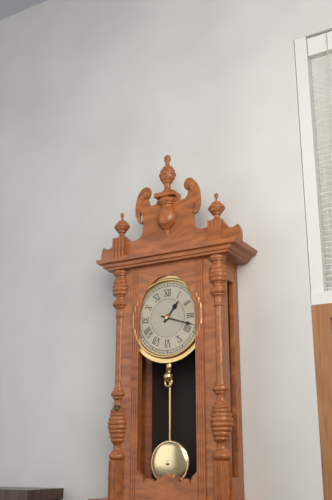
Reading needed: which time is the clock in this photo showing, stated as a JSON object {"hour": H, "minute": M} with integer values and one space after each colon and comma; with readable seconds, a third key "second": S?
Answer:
{"hour": 1, "minute": 18}
